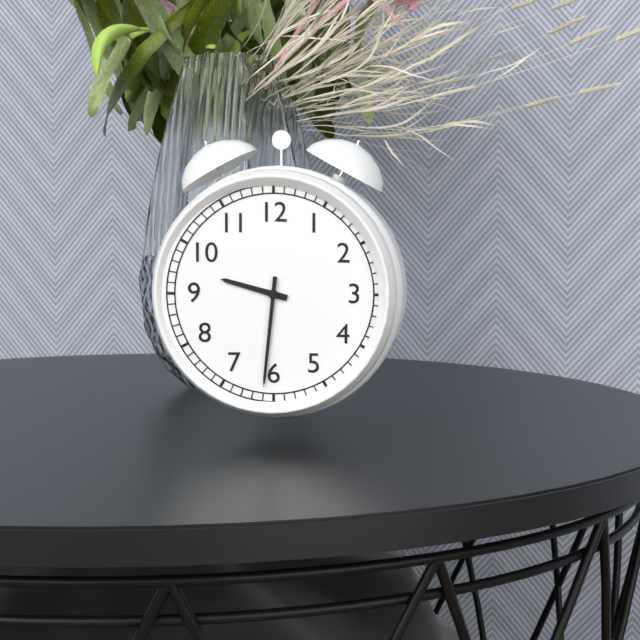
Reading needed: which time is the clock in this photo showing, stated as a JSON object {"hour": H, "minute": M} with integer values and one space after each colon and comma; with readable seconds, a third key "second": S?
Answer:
{"hour": 9, "minute": 31}
